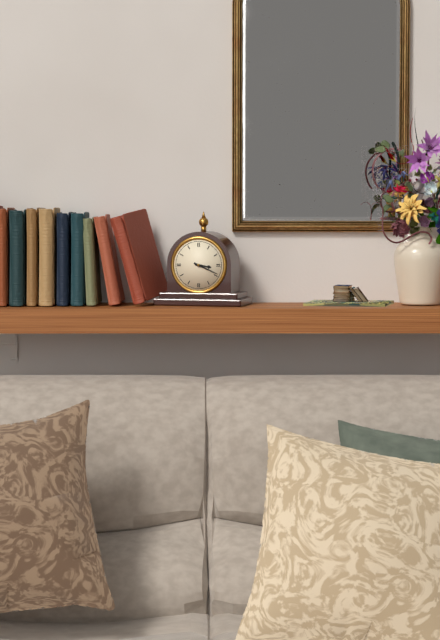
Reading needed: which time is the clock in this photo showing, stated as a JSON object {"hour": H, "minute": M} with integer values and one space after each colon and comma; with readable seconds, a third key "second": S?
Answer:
{"hour": 3, "minute": 19}
